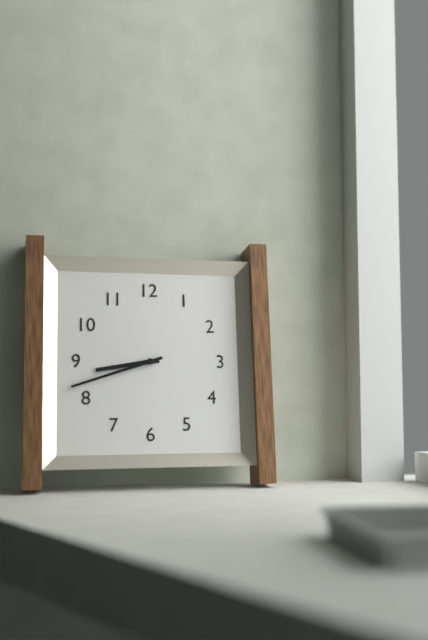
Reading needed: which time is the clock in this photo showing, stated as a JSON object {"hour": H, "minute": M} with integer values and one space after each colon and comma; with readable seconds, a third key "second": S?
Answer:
{"hour": 8, "minute": 42}
